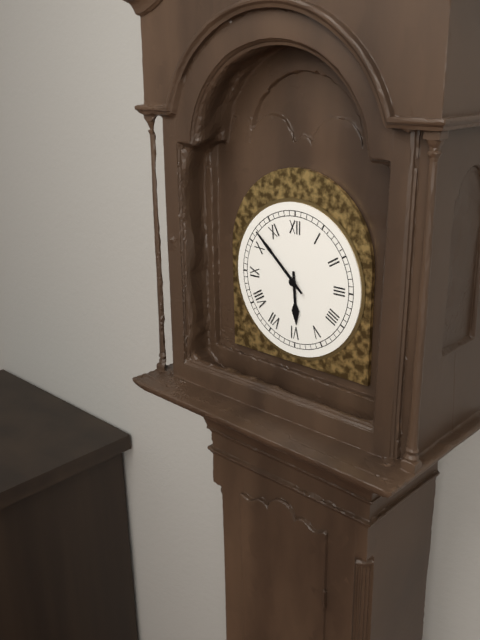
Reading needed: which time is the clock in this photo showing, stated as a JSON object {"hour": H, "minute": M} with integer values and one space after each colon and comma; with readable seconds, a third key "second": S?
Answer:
{"hour": 5, "minute": 52}
